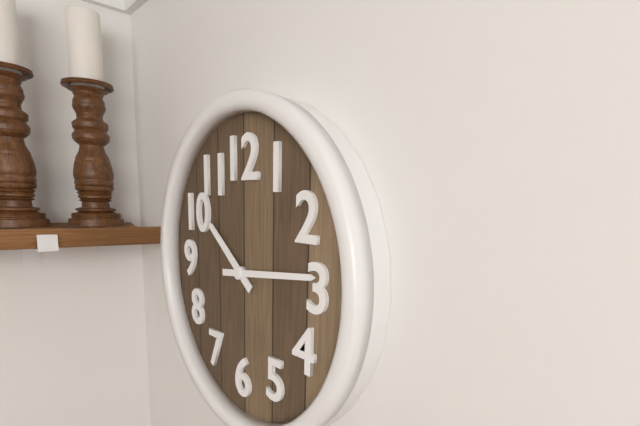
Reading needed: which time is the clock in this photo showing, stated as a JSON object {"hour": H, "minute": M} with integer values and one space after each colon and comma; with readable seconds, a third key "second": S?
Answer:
{"hour": 10, "minute": 14}
